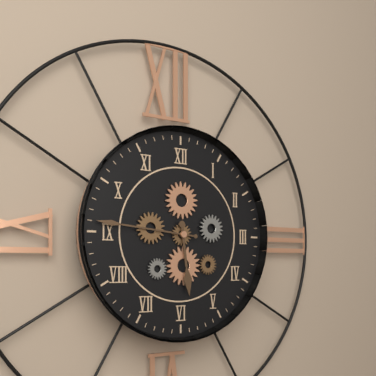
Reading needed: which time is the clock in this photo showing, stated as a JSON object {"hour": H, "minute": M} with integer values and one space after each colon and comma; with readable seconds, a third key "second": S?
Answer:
{"hour": 5, "minute": 46}
